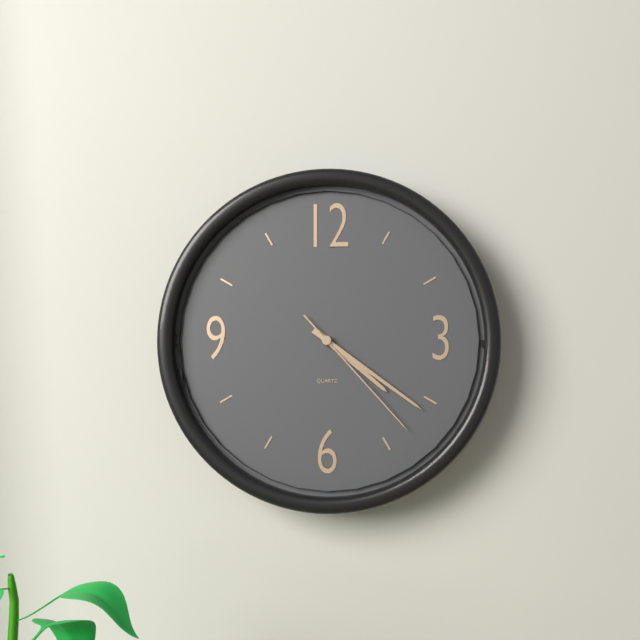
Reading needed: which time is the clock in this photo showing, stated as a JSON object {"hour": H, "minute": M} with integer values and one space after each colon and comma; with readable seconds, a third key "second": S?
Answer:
{"hour": 4, "minute": 21, "second": 23}
